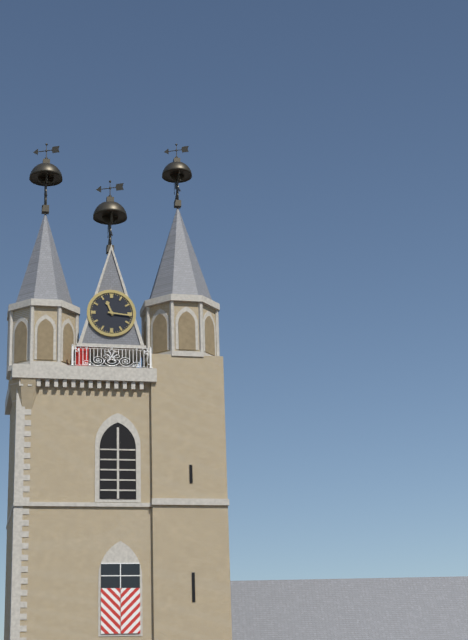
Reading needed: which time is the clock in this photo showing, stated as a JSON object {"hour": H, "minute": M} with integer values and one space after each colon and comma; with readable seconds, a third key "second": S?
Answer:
{"hour": 11, "minute": 16}
